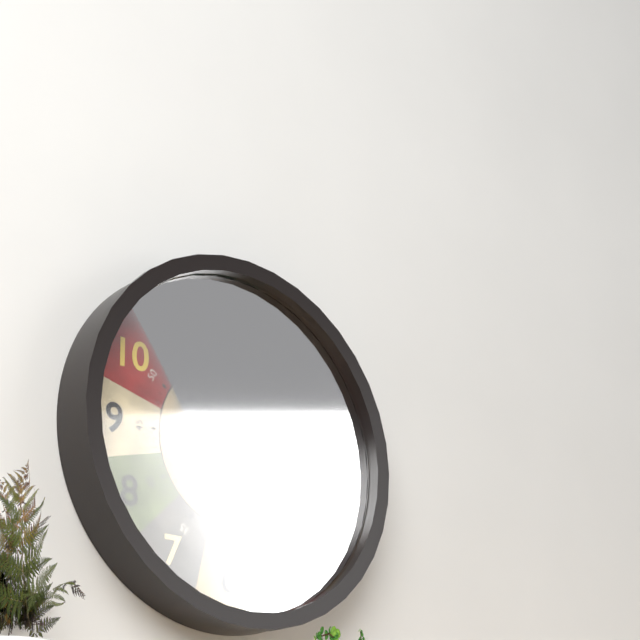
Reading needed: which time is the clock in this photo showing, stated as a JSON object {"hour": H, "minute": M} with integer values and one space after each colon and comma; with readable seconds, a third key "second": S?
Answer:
{"hour": 11, "minute": 20, "second": 16}
